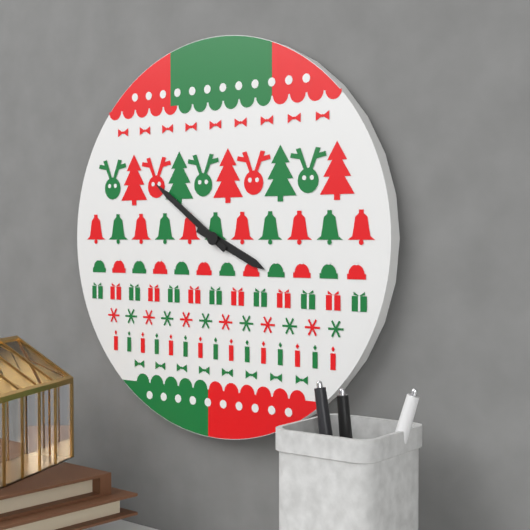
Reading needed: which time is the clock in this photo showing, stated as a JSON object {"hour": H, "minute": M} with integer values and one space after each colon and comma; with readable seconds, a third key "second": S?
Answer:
{"hour": 3, "minute": 51}
